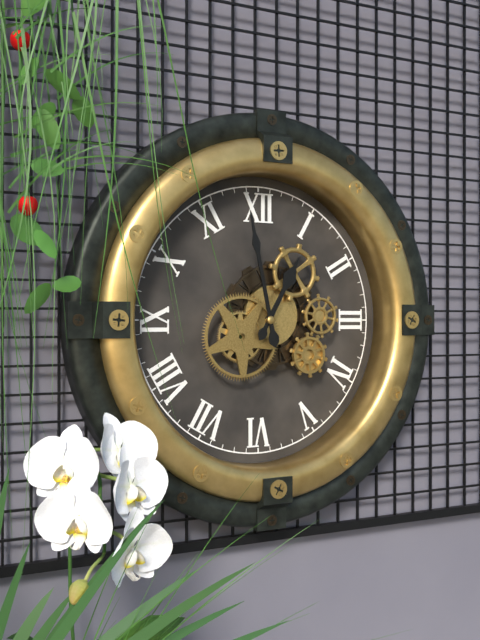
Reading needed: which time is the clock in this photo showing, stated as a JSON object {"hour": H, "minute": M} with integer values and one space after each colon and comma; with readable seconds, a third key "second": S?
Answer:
{"hour": 12, "minute": 58}
